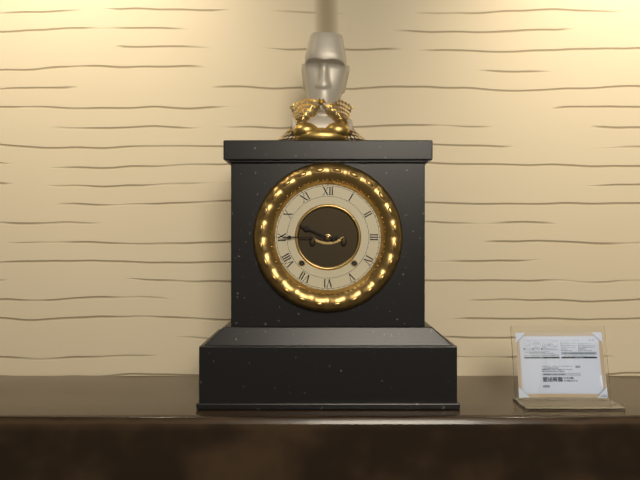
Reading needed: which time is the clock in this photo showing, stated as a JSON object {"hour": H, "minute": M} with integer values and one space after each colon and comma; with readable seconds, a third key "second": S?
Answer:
{"hour": 9, "minute": 45}
